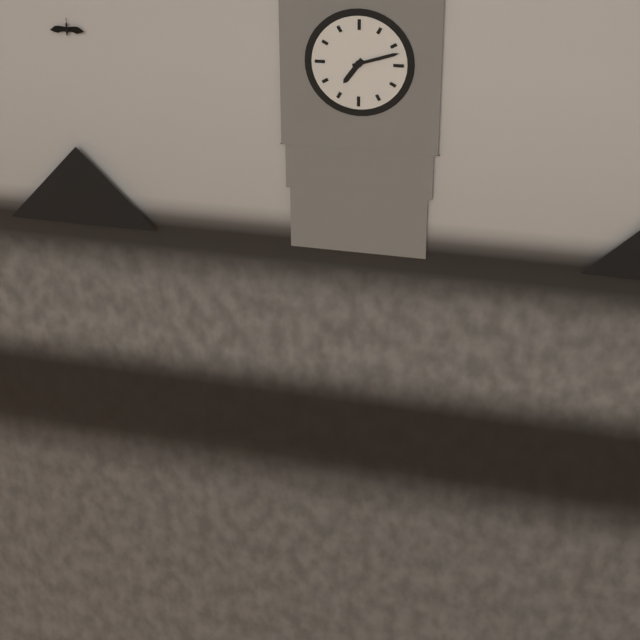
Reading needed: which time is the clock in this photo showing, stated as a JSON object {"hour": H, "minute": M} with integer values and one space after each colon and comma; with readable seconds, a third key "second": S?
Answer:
{"hour": 7, "minute": 12}
